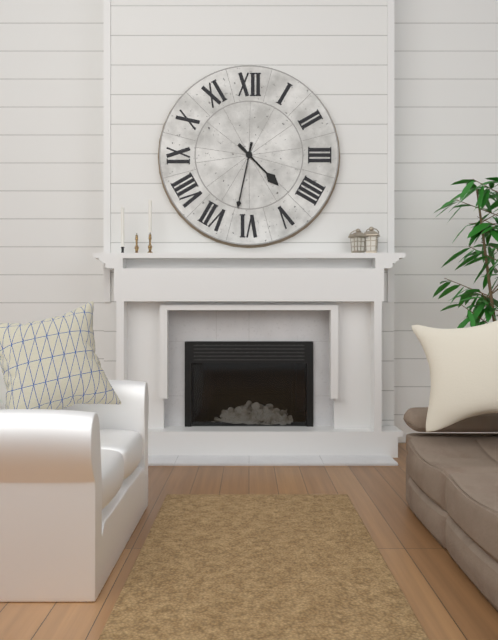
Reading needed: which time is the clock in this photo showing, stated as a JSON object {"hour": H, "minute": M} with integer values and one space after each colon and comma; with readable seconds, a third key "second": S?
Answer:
{"hour": 4, "minute": 32}
